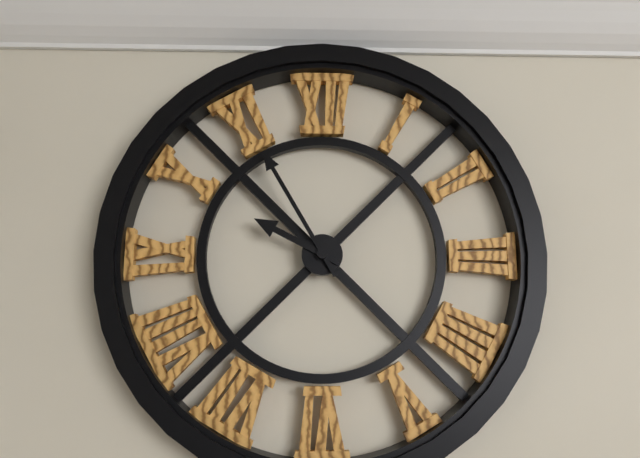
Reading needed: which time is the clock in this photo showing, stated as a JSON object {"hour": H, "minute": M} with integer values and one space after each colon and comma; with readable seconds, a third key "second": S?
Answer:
{"hour": 9, "minute": 55}
